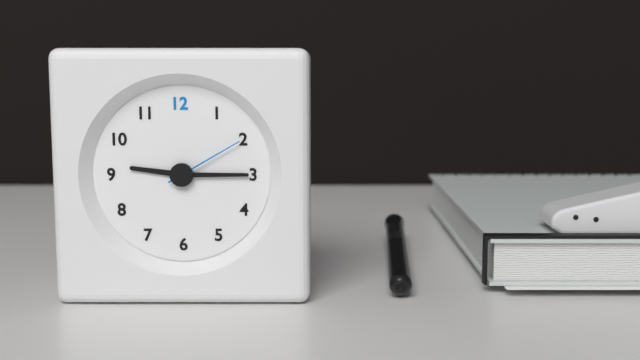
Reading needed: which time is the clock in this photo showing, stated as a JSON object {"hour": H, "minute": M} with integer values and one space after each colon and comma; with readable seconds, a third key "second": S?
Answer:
{"hour": 9, "minute": 15, "second": 10}
